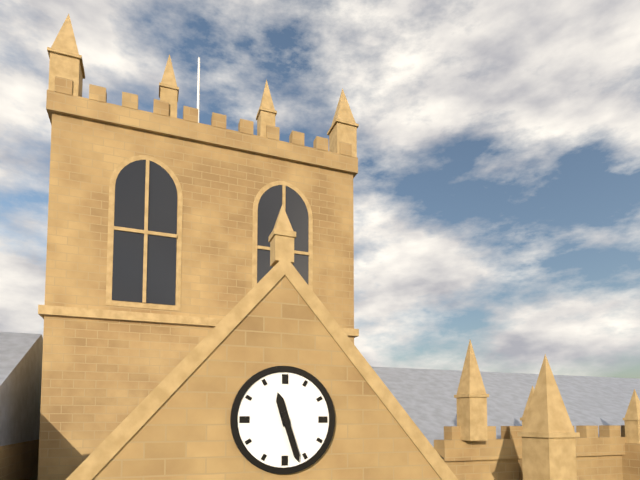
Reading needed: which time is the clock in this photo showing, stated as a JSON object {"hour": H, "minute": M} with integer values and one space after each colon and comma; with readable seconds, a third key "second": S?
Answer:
{"hour": 11, "minute": 27}
